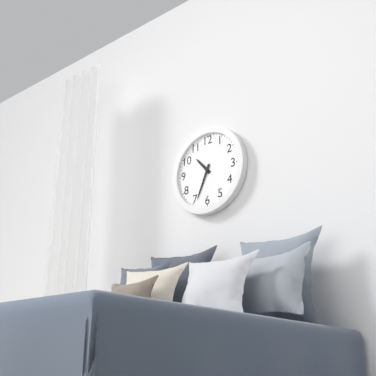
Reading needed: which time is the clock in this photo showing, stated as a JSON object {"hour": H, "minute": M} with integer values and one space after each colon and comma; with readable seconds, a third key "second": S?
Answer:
{"hour": 10, "minute": 34}
